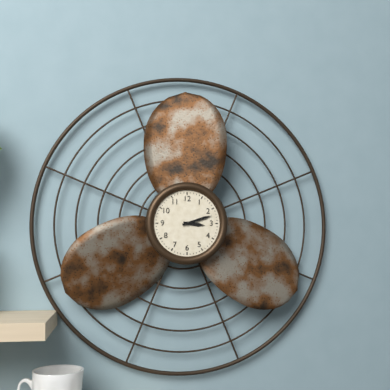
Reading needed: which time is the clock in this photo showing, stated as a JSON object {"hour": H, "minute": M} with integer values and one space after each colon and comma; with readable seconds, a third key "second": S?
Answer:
{"hour": 3, "minute": 12}
